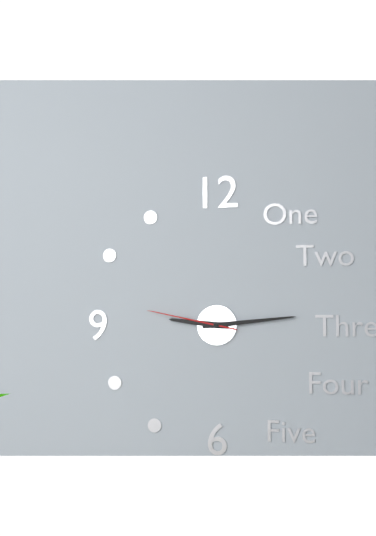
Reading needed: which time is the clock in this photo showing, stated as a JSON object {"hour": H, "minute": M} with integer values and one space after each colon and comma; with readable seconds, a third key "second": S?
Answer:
{"hour": 9, "minute": 14, "second": 47}
